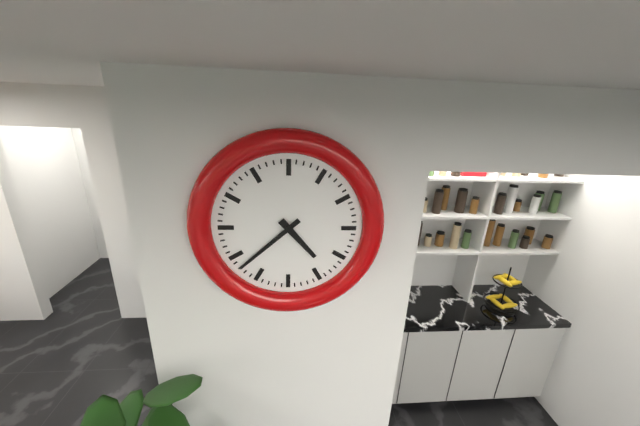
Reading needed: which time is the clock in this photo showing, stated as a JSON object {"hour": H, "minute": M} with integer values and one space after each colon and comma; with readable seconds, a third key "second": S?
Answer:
{"hour": 4, "minute": 38}
